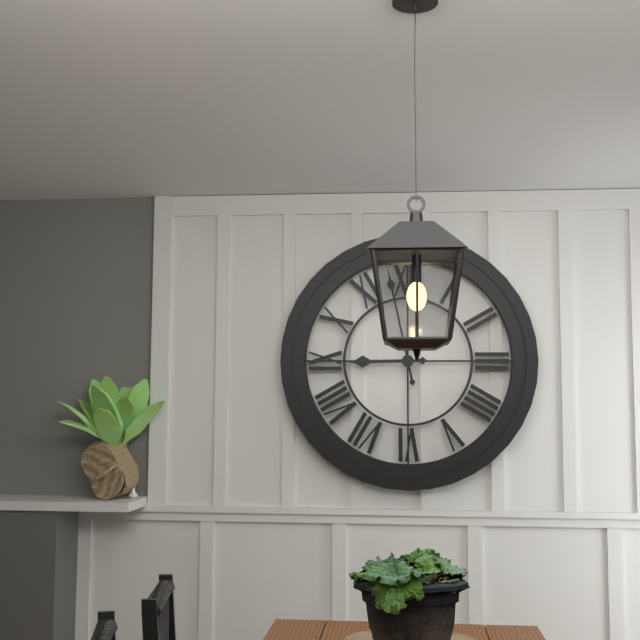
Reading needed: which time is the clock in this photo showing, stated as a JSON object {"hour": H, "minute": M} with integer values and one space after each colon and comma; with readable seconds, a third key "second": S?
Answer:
{"hour": 8, "minute": 58}
